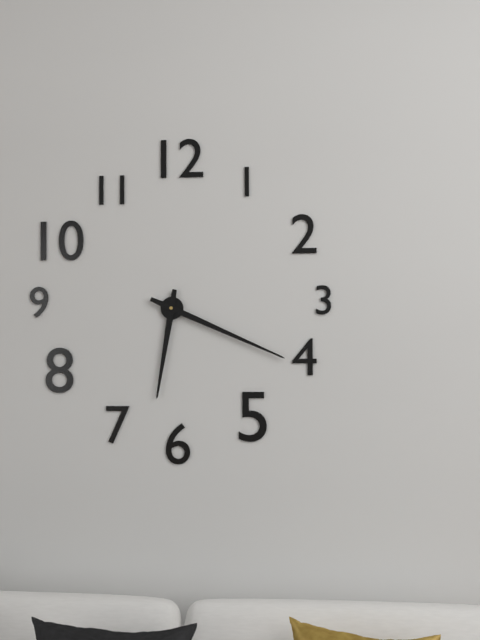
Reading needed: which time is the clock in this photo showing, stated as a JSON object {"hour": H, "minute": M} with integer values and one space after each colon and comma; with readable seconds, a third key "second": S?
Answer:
{"hour": 6, "minute": 19}
